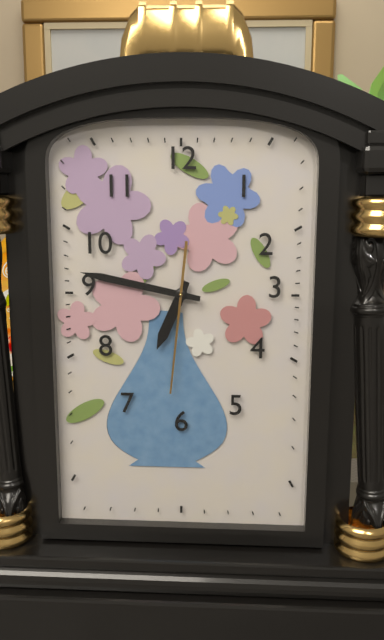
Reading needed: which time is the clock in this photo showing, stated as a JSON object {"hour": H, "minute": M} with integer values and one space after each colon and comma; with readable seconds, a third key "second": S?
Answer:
{"hour": 6, "minute": 47, "second": 31}
